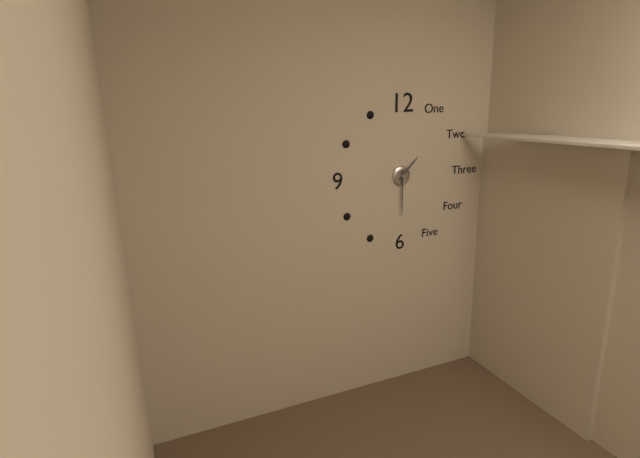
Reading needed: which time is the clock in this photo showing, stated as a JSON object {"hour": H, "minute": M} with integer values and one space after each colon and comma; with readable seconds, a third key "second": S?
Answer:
{"hour": 1, "minute": 30}
